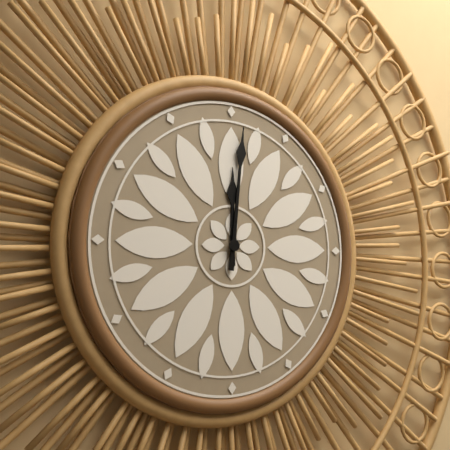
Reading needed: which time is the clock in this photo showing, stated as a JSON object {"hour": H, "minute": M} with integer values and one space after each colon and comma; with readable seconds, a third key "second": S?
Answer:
{"hour": 12, "minute": 1}
